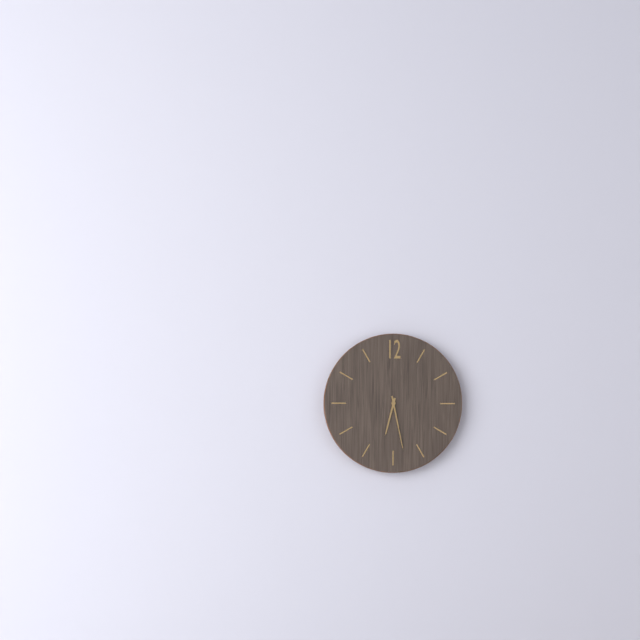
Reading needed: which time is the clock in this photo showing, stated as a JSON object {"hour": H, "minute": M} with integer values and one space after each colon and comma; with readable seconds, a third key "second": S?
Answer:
{"hour": 6, "minute": 28}
